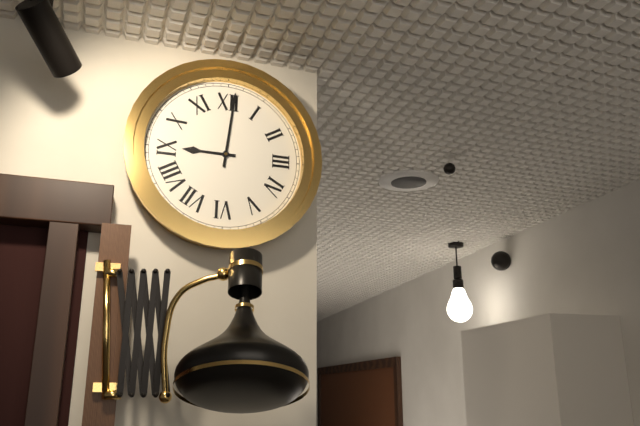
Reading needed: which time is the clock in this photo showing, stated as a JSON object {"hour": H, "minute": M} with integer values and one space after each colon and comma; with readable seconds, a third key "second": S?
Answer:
{"hour": 9, "minute": 1}
